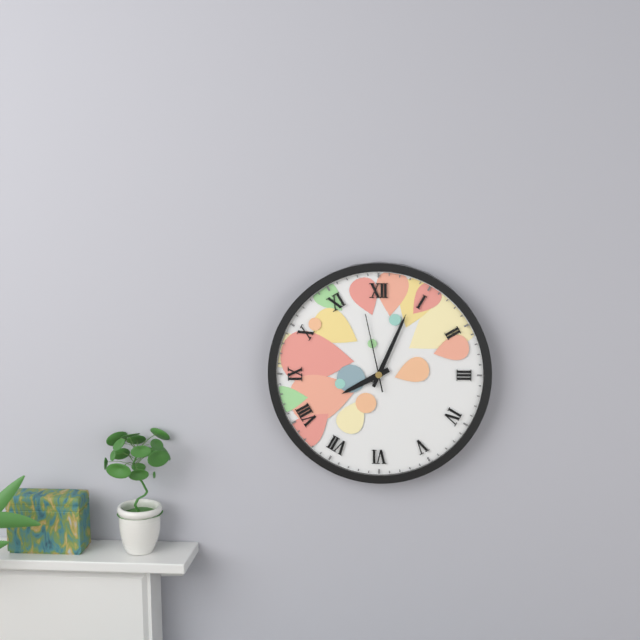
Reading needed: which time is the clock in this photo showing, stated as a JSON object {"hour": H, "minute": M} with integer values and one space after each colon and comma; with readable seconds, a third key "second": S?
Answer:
{"hour": 8, "minute": 4, "second": 58}
